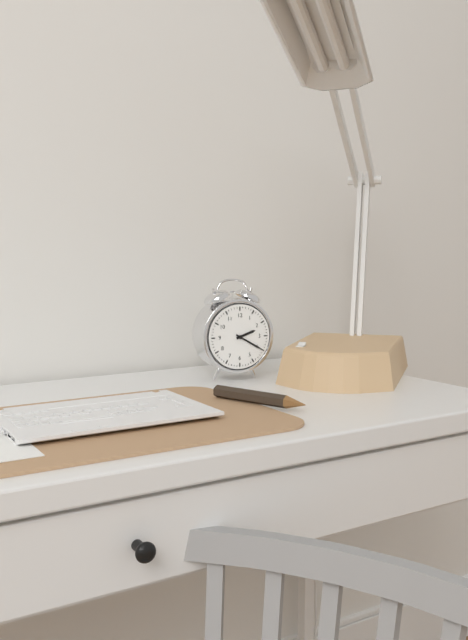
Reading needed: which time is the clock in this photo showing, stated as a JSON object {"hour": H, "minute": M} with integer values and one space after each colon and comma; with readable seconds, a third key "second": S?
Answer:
{"hour": 2, "minute": 20}
